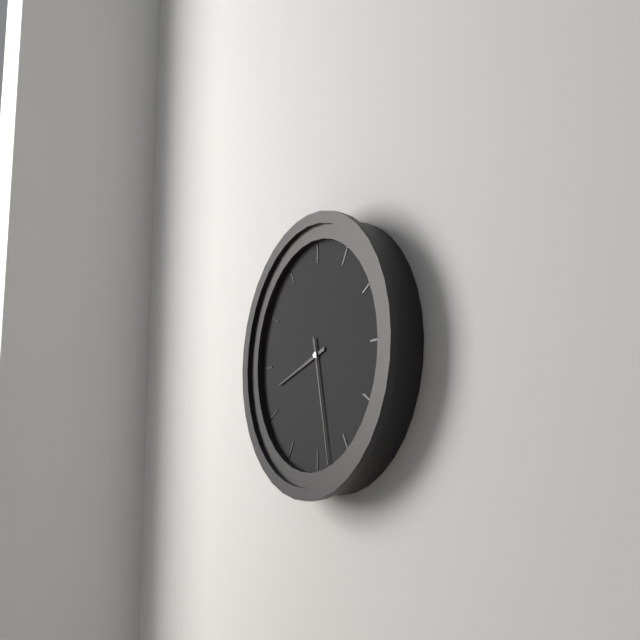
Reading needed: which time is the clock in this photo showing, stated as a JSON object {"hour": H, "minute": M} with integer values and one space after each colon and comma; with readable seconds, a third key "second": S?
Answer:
{"hour": 8, "minute": 28}
